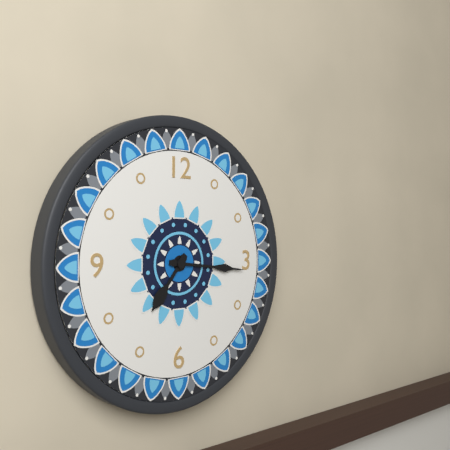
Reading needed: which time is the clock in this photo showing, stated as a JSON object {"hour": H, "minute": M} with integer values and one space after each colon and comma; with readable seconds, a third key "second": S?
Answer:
{"hour": 7, "minute": 16}
